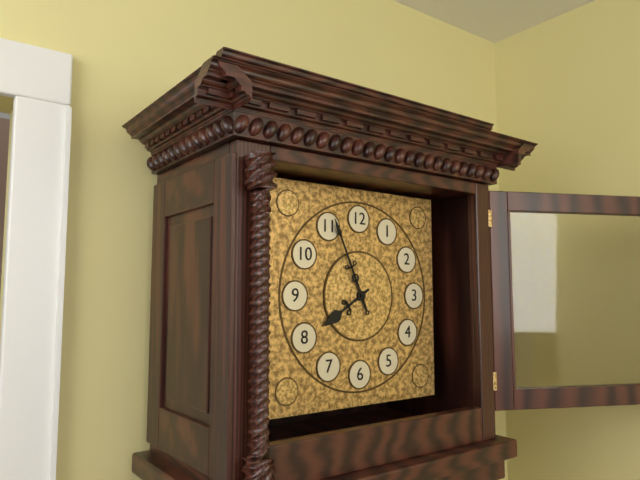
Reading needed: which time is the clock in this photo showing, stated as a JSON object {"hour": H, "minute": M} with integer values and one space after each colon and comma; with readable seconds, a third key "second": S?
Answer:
{"hour": 7, "minute": 56}
